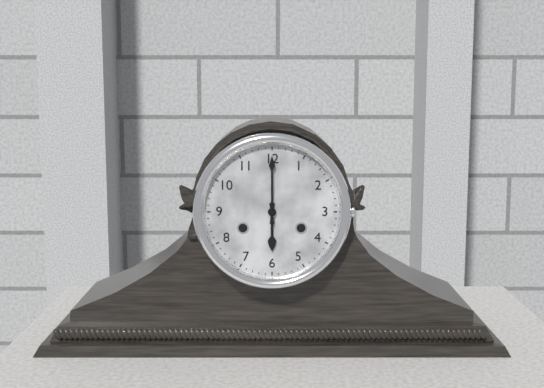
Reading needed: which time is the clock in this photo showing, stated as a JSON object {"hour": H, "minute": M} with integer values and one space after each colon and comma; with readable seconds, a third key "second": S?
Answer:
{"hour": 6, "minute": 0}
